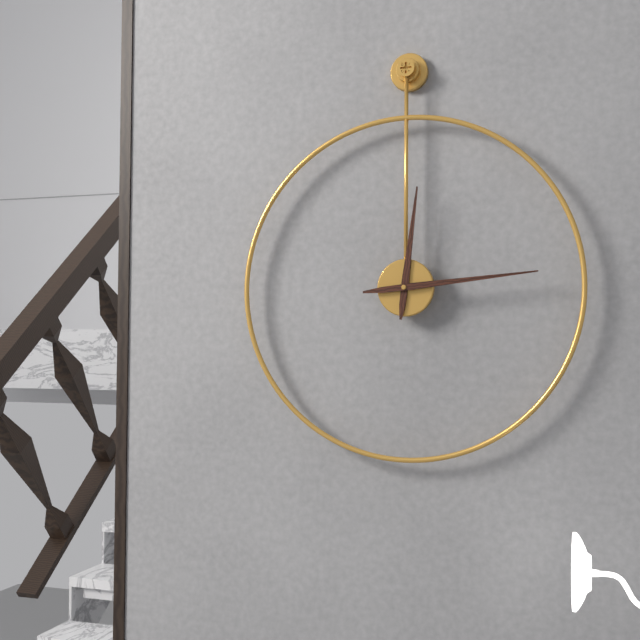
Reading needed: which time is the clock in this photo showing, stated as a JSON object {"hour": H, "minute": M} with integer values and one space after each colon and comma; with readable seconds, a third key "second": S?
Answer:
{"hour": 12, "minute": 14}
